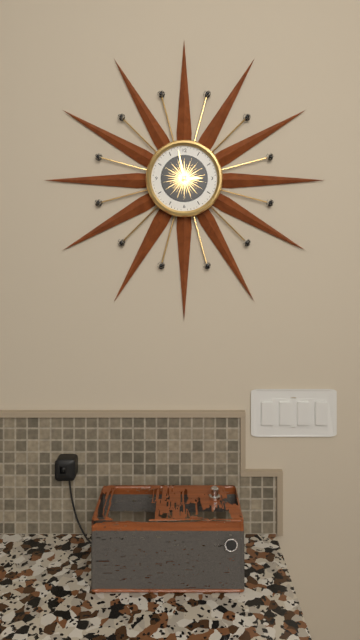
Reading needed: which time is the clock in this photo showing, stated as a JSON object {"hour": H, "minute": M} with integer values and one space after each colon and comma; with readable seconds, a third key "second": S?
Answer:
{"hour": 2, "minute": 58}
